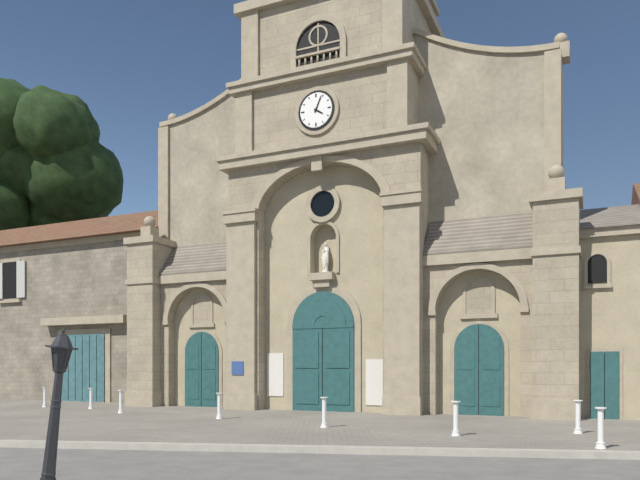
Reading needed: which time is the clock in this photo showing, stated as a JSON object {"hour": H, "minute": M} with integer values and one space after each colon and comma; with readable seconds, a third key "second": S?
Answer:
{"hour": 4, "minute": 4}
